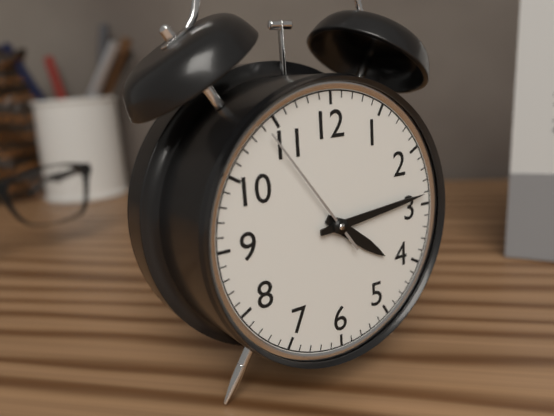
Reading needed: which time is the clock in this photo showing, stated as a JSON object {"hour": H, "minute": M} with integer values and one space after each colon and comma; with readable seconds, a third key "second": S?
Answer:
{"hour": 4, "minute": 14, "second": 54}
